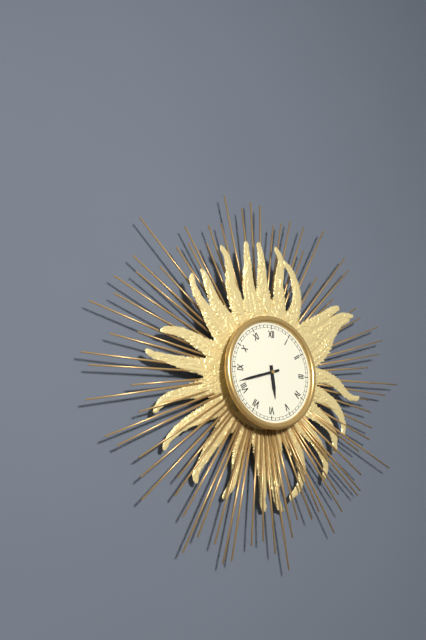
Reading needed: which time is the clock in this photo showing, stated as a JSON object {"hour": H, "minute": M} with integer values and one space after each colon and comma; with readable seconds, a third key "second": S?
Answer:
{"hour": 5, "minute": 42}
